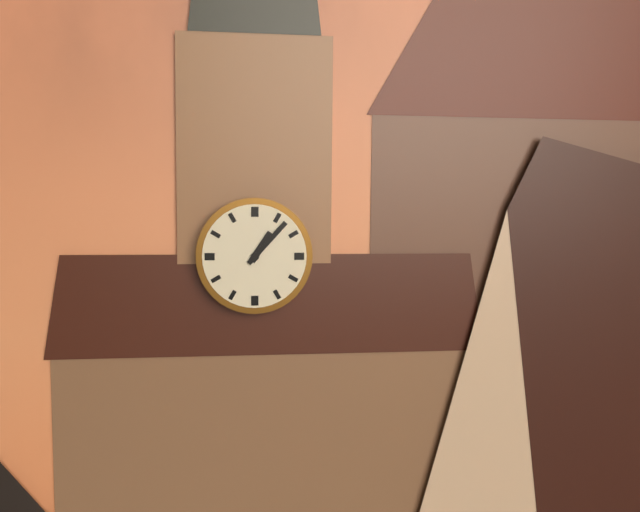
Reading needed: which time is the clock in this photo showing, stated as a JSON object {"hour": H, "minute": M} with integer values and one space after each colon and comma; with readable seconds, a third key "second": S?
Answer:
{"hour": 1, "minute": 7}
